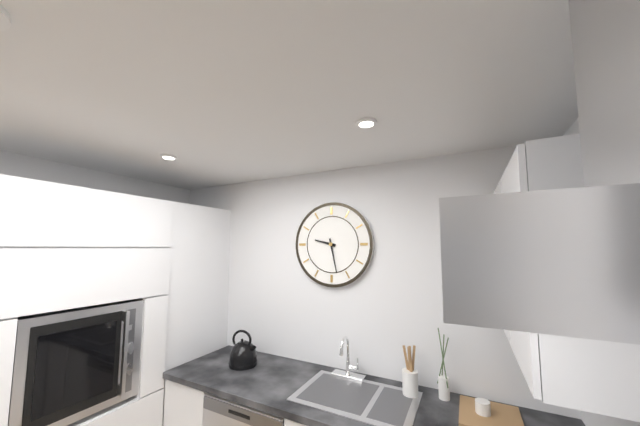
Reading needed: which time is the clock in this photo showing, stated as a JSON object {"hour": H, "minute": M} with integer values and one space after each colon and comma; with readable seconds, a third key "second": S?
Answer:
{"hour": 9, "minute": 28}
